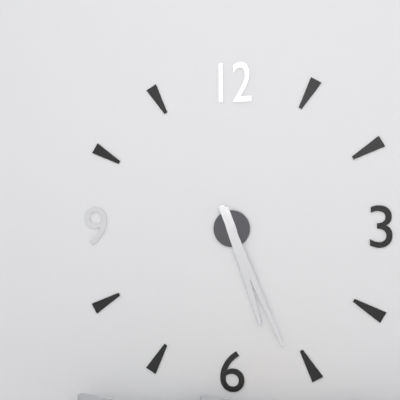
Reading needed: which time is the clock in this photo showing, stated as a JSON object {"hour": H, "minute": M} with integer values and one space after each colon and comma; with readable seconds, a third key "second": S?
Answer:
{"hour": 5, "minute": 26}
